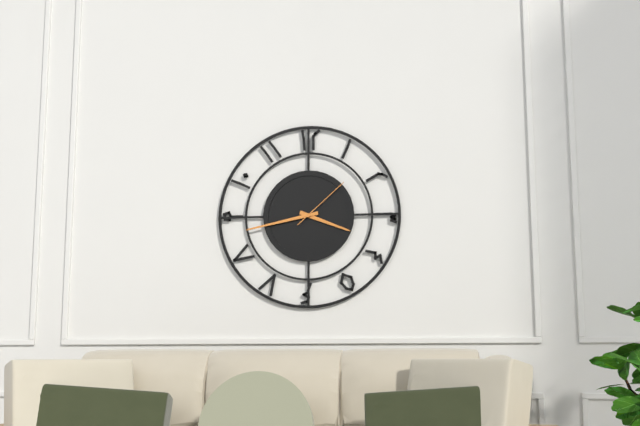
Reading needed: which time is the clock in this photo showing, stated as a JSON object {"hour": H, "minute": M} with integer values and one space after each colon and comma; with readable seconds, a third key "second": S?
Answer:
{"hour": 3, "minute": 43, "second": 8}
